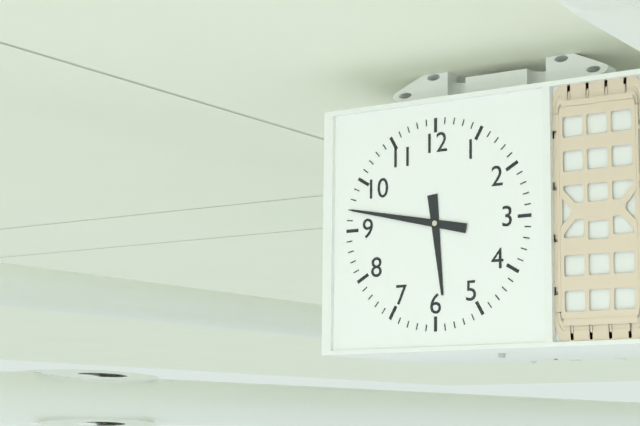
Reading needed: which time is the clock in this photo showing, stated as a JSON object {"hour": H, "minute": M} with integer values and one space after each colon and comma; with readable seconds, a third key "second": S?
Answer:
{"hour": 5, "minute": 47}
